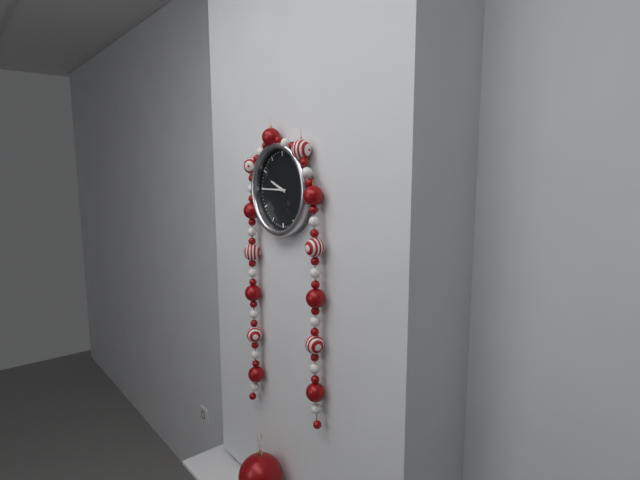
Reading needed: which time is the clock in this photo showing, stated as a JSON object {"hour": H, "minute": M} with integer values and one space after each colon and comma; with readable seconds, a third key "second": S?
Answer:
{"hour": 9, "minute": 45}
